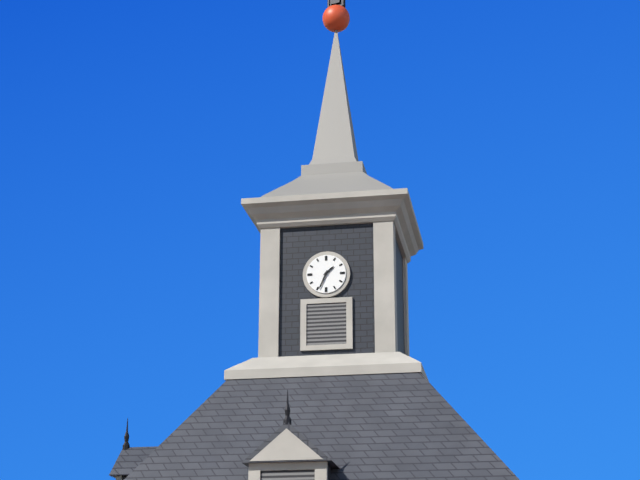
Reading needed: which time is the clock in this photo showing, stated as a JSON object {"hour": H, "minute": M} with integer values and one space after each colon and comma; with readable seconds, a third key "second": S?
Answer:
{"hour": 1, "minute": 34}
